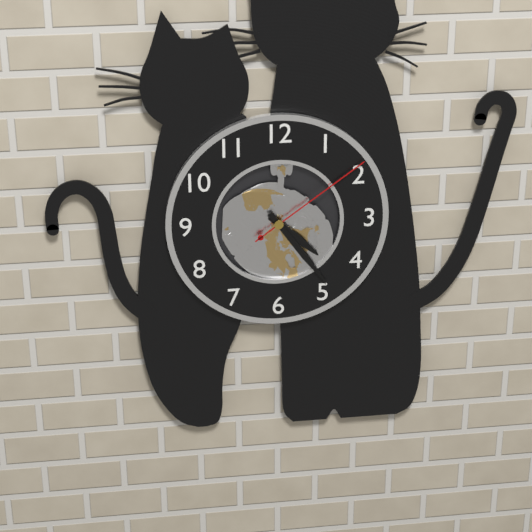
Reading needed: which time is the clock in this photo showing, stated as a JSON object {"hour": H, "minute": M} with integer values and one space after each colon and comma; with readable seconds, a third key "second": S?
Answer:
{"hour": 4, "minute": 24, "second": 9}
